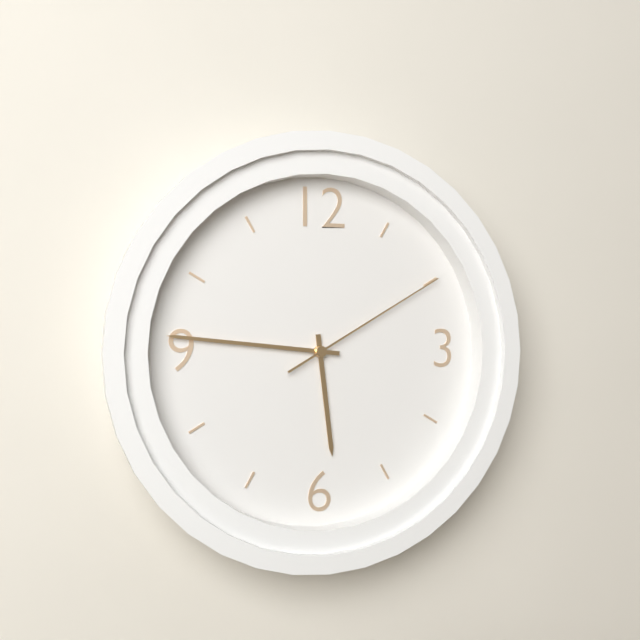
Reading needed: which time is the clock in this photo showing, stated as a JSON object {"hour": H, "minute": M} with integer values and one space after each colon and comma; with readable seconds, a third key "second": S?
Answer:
{"hour": 5, "minute": 46, "second": 10}
